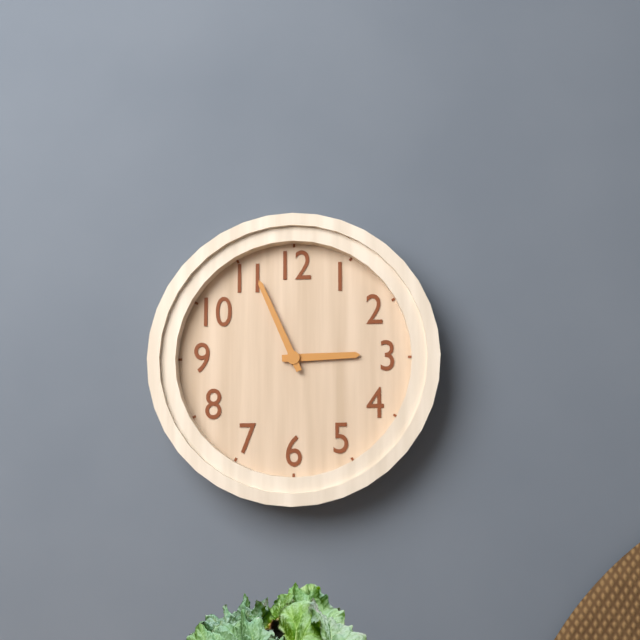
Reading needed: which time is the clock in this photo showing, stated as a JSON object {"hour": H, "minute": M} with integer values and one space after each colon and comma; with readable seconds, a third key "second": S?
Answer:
{"hour": 2, "minute": 56}
